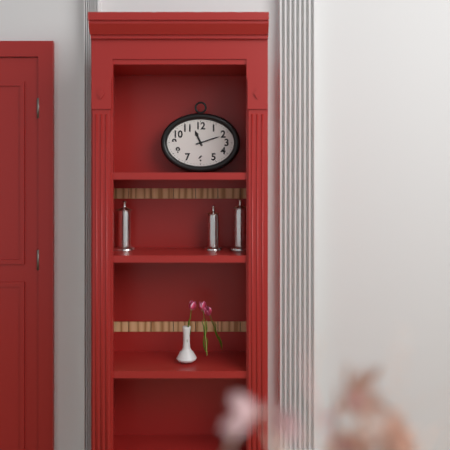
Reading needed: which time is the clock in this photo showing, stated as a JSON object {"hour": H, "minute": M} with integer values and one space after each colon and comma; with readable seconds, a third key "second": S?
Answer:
{"hour": 11, "minute": 12}
